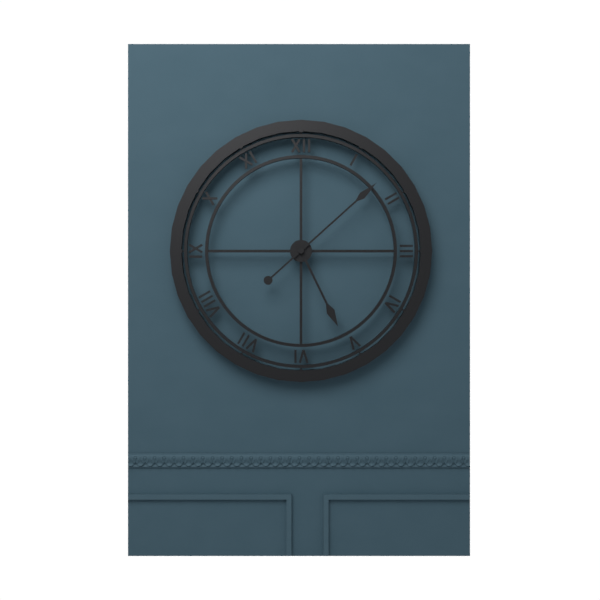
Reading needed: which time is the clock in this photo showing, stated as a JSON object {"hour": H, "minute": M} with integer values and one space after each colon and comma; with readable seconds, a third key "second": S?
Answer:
{"hour": 5, "minute": 8}
